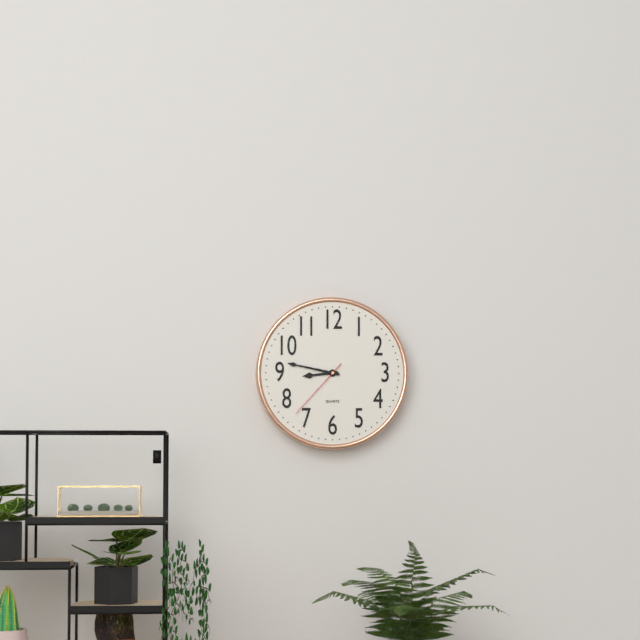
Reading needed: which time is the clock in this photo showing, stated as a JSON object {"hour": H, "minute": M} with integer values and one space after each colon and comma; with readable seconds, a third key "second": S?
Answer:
{"hour": 8, "minute": 47, "second": 37}
